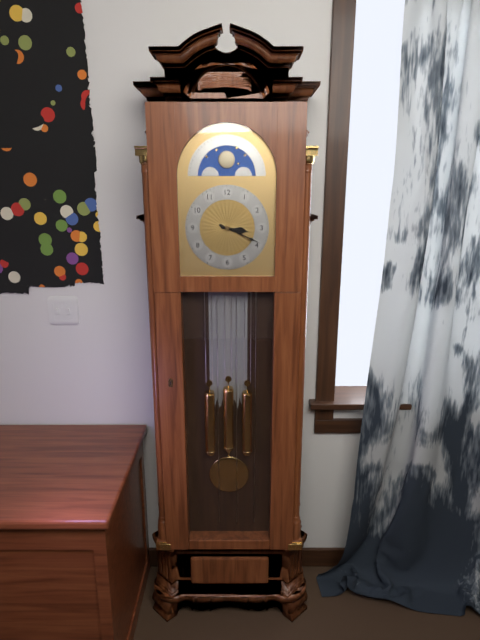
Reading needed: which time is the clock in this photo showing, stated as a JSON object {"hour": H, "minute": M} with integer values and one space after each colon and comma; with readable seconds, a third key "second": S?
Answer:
{"hour": 3, "minute": 19}
